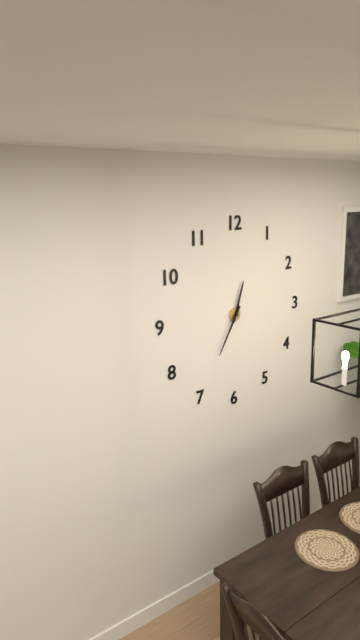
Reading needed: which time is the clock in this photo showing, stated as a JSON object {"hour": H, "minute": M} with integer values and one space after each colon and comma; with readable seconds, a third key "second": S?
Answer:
{"hour": 12, "minute": 35}
